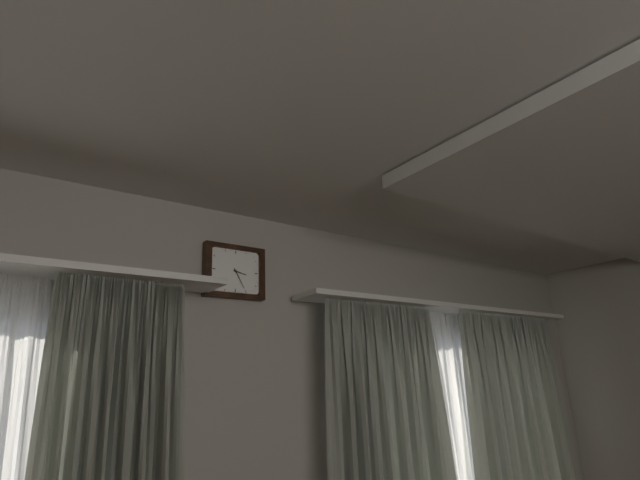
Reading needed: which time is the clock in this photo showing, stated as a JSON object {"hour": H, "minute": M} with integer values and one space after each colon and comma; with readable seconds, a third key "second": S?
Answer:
{"hour": 3, "minute": 25}
